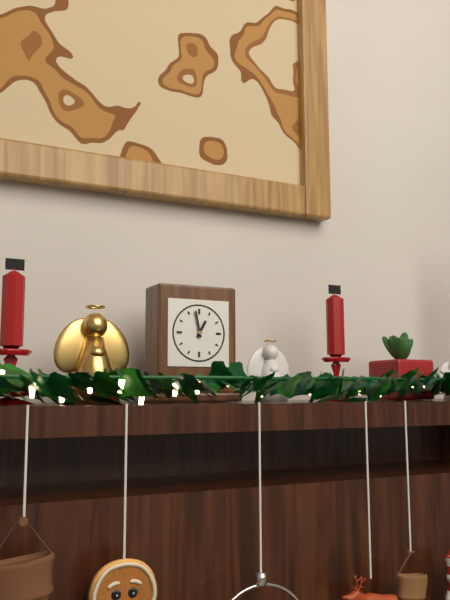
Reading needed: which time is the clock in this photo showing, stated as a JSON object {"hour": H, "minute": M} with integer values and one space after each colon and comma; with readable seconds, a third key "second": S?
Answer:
{"hour": 12, "minute": 58}
